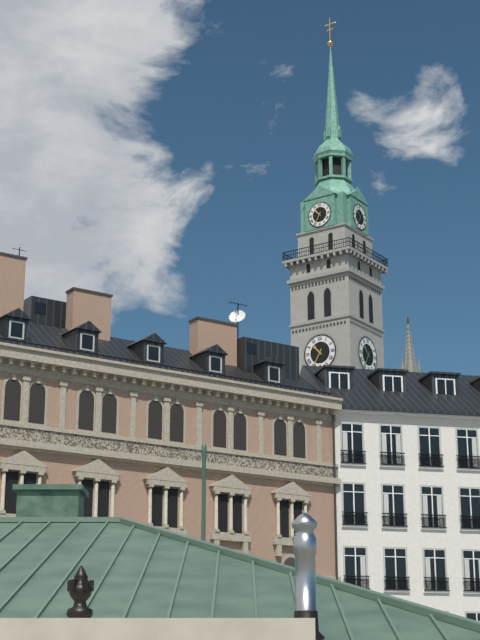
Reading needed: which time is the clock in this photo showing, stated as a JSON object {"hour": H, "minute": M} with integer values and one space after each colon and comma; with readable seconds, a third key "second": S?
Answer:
{"hour": 10, "minute": 35}
